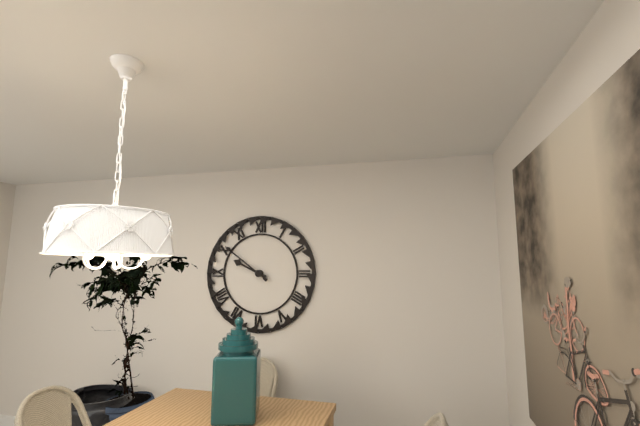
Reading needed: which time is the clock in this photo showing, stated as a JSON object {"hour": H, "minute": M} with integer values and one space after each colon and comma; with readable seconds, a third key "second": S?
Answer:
{"hour": 9, "minute": 51}
